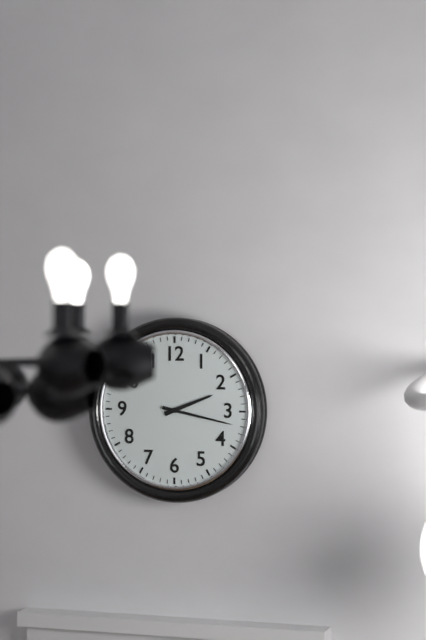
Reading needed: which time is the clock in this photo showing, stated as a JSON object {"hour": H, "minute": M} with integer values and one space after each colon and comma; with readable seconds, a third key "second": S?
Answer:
{"hour": 2, "minute": 17}
